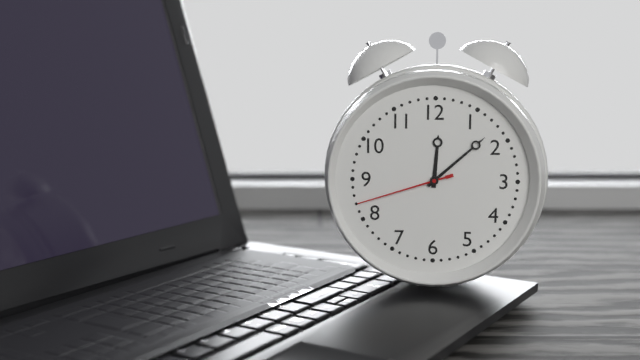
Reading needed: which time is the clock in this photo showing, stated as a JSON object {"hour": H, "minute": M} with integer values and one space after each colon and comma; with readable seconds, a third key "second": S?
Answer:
{"hour": 12, "minute": 8, "second": 42}
